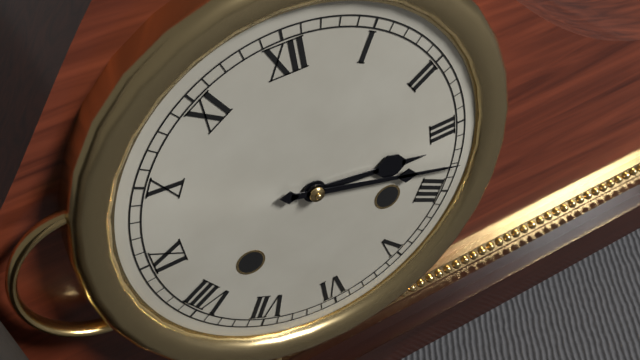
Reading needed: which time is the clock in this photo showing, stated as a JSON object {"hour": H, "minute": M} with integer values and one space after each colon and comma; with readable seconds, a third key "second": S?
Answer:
{"hour": 3, "minute": 18}
